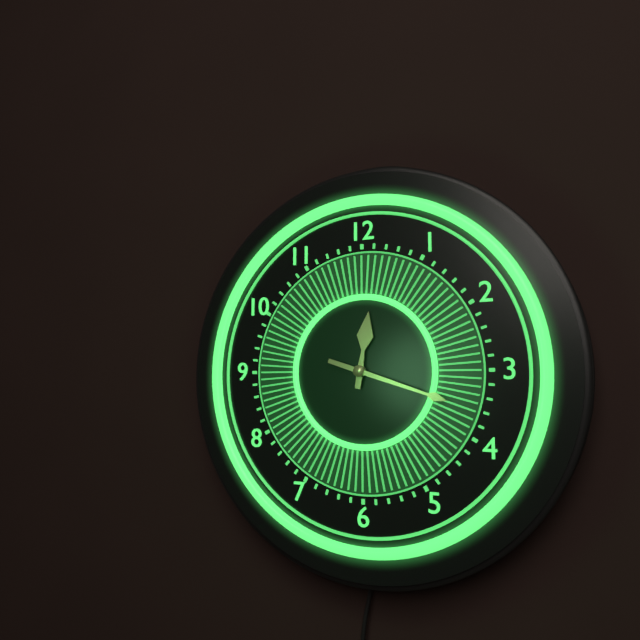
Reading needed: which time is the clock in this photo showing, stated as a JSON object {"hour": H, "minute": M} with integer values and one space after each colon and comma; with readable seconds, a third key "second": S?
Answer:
{"hour": 12, "minute": 18}
